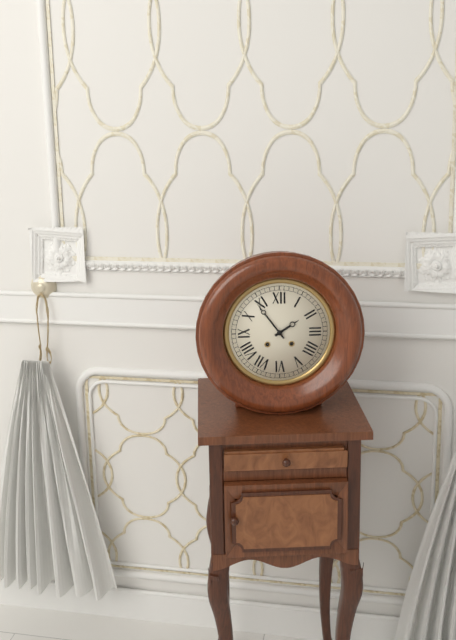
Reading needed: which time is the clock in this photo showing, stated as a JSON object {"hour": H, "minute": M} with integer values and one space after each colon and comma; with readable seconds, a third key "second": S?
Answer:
{"hour": 1, "minute": 54}
